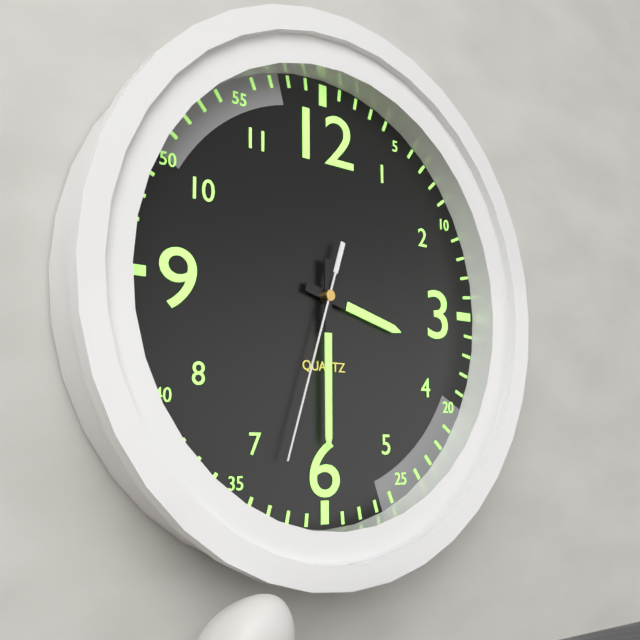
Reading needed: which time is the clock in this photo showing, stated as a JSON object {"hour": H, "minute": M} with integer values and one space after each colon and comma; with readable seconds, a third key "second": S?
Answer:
{"hour": 3, "minute": 30, "second": 33}
